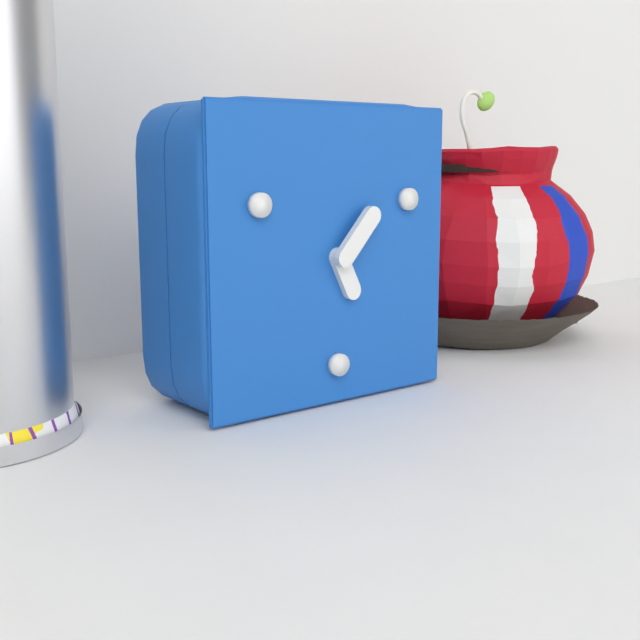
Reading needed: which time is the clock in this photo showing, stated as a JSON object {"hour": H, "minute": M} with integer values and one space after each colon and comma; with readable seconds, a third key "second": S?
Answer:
{"hour": 5, "minute": 7}
